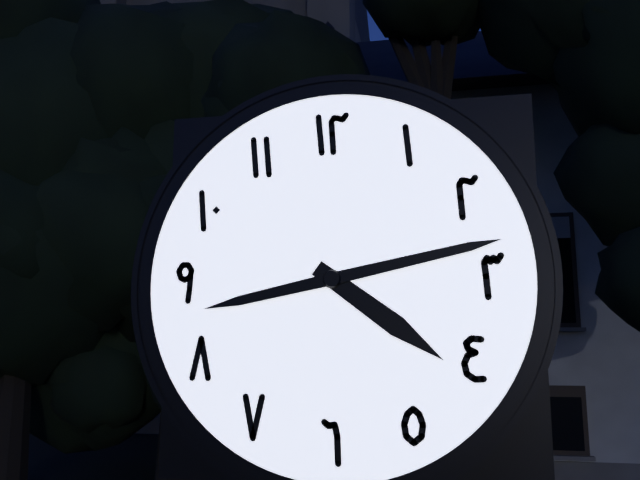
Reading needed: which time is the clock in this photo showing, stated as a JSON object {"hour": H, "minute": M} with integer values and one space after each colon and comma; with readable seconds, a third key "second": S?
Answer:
{"hour": 4, "minute": 13}
